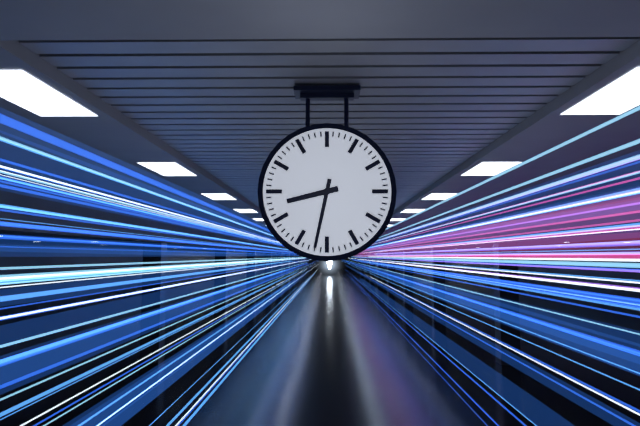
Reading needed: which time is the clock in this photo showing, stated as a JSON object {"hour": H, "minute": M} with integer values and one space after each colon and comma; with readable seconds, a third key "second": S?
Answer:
{"hour": 8, "minute": 32}
